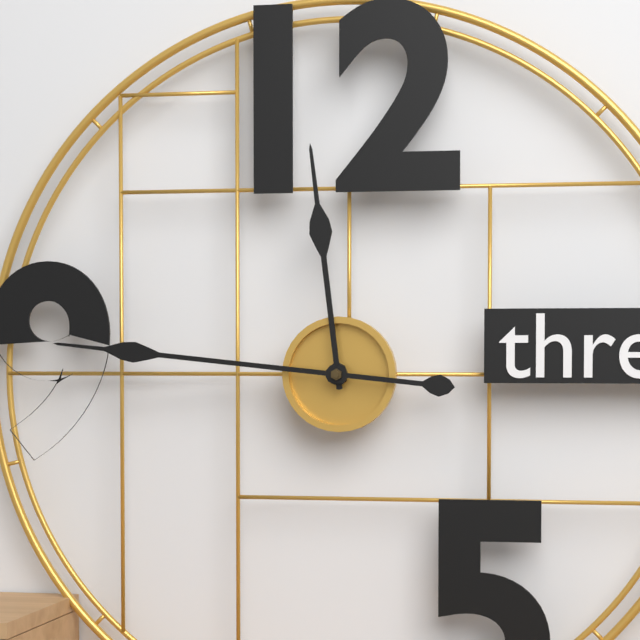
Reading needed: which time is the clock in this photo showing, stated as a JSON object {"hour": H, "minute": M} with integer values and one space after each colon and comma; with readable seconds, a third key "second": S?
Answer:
{"hour": 11, "minute": 46}
